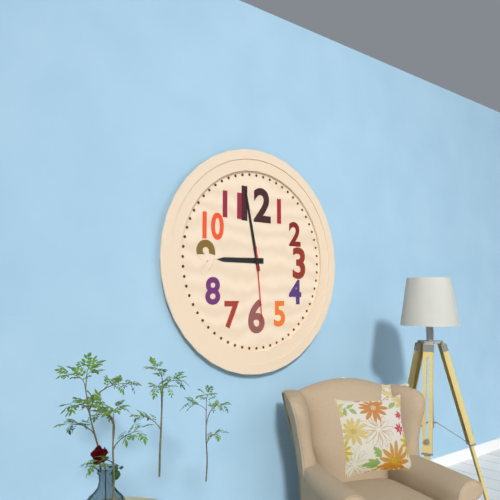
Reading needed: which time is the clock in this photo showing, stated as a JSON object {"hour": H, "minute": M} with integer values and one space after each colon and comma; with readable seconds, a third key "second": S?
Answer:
{"hour": 8, "minute": 58, "second": 29}
